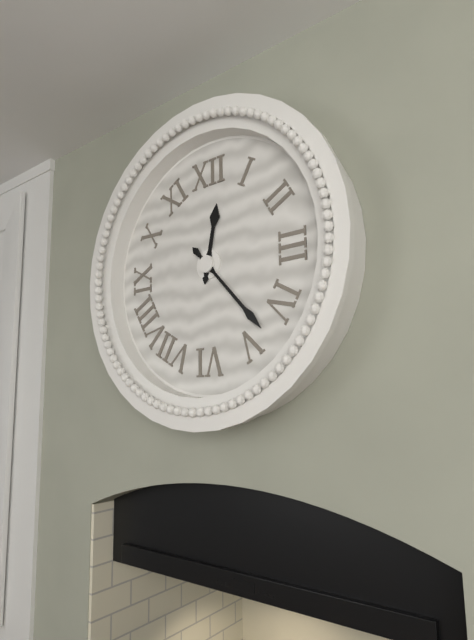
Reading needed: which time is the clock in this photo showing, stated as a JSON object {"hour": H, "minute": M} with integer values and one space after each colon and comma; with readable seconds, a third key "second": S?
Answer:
{"hour": 12, "minute": 23}
